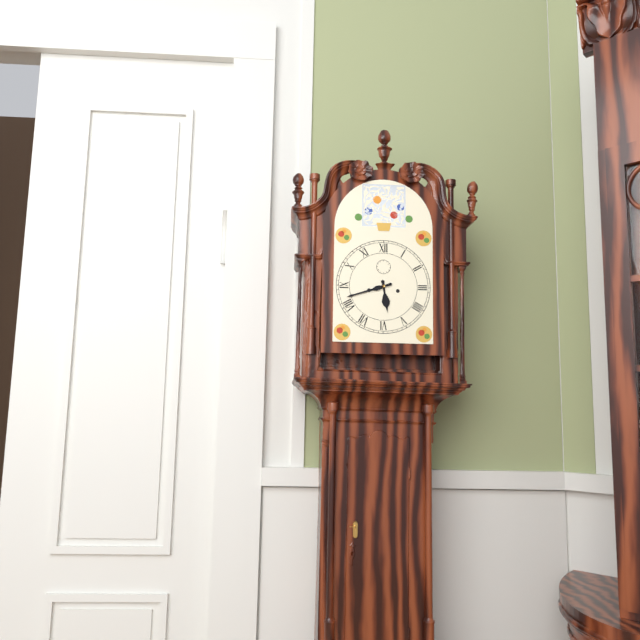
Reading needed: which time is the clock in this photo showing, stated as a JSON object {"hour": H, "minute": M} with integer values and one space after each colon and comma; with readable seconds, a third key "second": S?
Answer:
{"hour": 5, "minute": 42}
